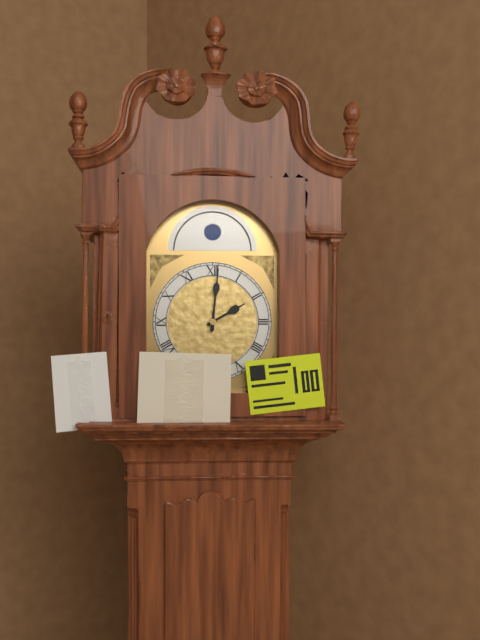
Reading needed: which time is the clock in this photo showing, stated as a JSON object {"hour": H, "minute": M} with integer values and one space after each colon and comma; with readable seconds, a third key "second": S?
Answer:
{"hour": 2, "minute": 1}
